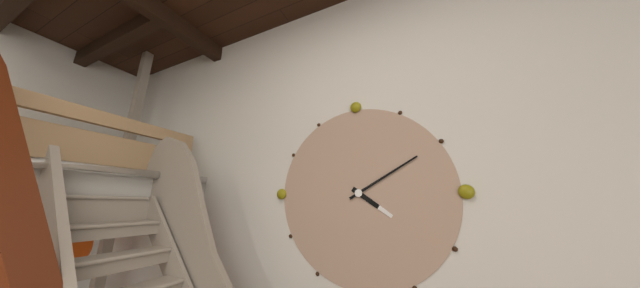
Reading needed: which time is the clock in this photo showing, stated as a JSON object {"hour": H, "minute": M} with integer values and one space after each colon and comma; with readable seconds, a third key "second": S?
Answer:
{"hour": 4, "minute": 10}
